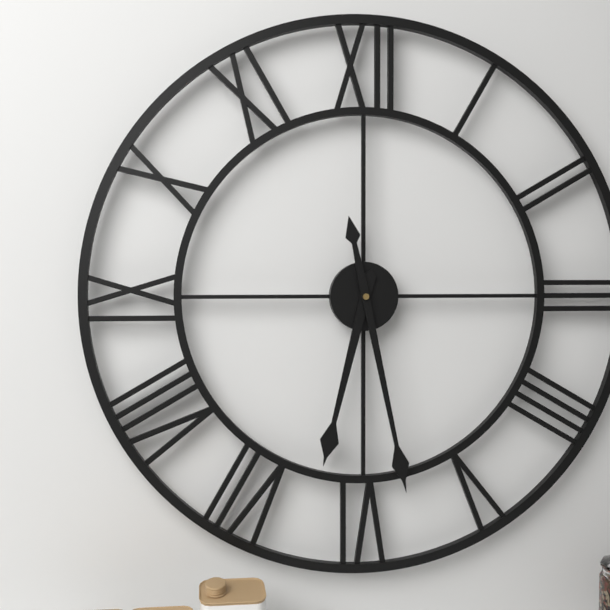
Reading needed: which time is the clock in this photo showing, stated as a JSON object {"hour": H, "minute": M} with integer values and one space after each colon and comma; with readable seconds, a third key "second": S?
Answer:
{"hour": 6, "minute": 28}
